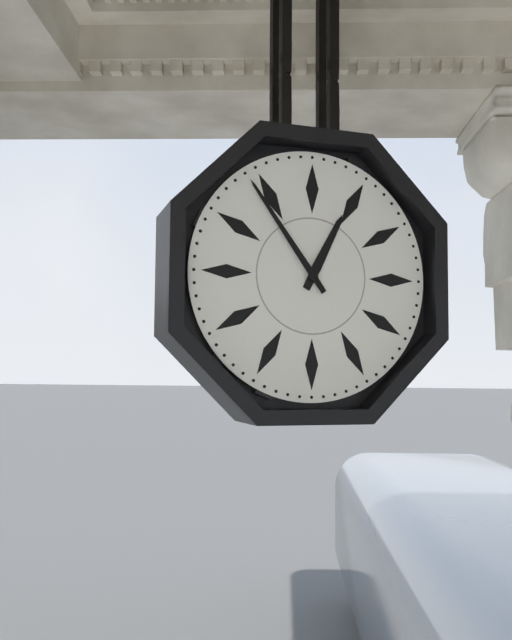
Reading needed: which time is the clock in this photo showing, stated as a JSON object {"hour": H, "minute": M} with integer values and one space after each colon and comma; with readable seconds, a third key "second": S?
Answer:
{"hour": 12, "minute": 54}
